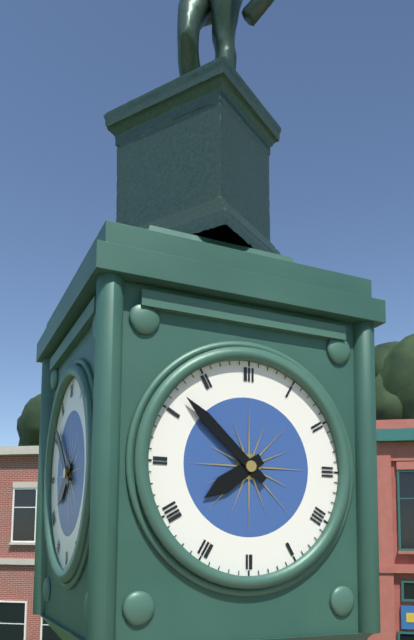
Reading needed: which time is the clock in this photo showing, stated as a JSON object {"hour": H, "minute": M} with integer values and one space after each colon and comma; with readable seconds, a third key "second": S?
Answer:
{"hour": 7, "minute": 52}
